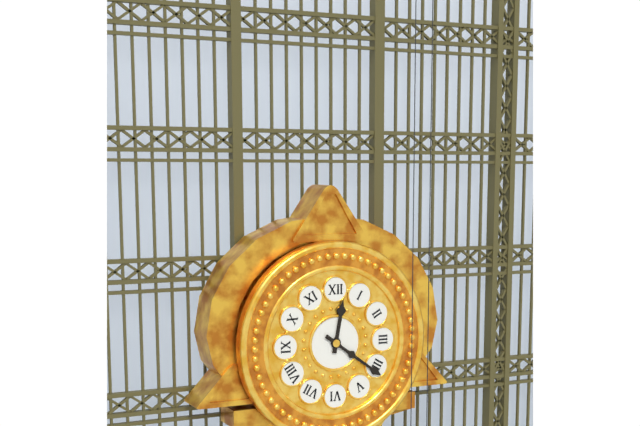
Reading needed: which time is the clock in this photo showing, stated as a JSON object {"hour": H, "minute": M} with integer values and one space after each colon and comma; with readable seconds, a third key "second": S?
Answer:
{"hour": 12, "minute": 21}
